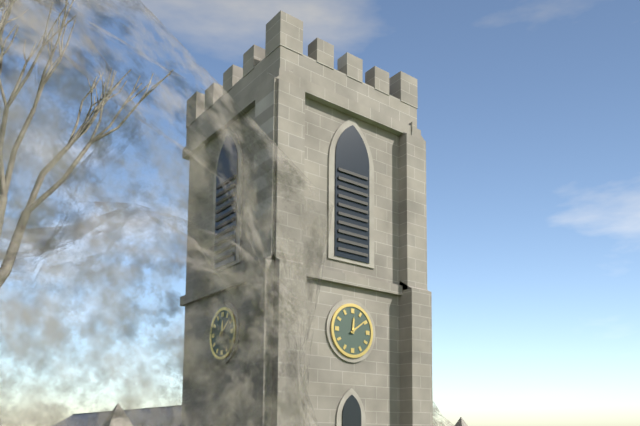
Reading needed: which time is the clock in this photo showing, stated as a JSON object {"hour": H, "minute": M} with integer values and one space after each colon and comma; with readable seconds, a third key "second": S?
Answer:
{"hour": 12, "minute": 9}
